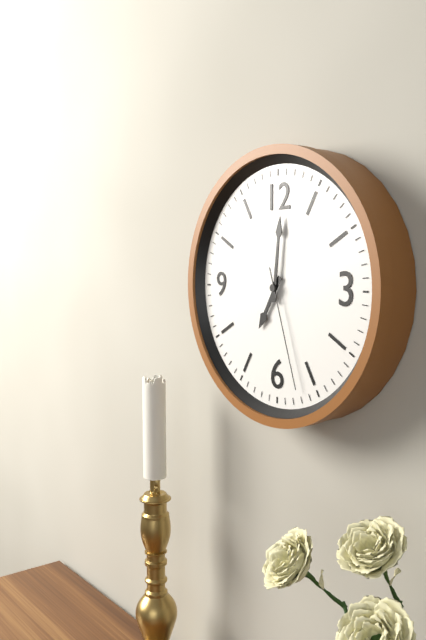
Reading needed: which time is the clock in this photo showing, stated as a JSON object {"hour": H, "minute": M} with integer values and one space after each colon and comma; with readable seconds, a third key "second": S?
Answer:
{"hour": 7, "minute": 1, "second": 27}
